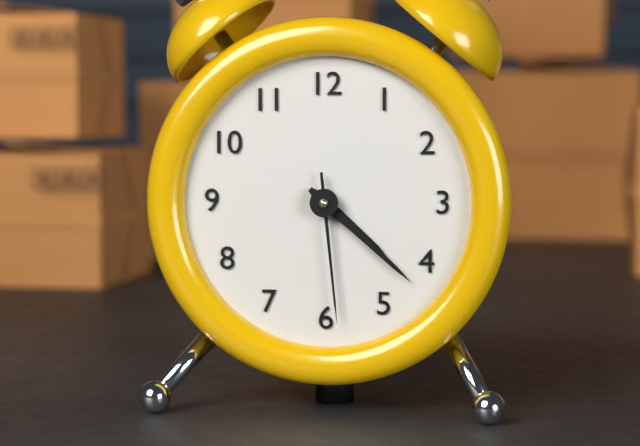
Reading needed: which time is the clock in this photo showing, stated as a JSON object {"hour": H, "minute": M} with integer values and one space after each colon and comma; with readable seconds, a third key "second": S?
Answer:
{"hour": 4, "minute": 22, "second": 29}
